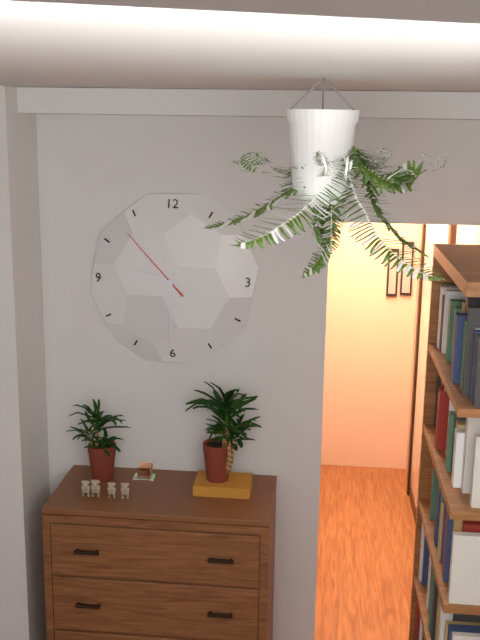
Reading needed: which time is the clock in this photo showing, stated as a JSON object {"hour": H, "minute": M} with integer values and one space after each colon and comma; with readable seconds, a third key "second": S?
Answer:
{"hour": 9, "minute": 30, "second": 53}
